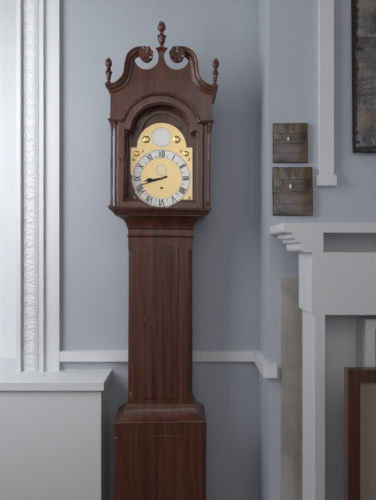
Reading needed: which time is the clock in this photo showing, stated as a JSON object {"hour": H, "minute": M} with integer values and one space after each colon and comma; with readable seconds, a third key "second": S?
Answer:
{"hour": 8, "minute": 42}
